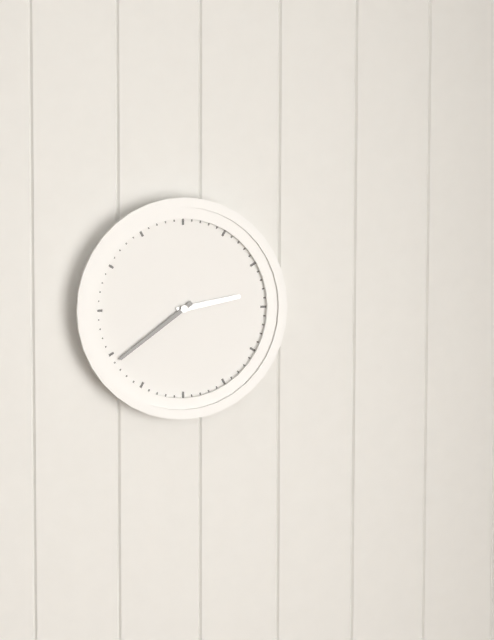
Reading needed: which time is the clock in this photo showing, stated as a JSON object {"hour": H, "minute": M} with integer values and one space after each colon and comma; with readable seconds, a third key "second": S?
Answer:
{"hour": 2, "minute": 39}
